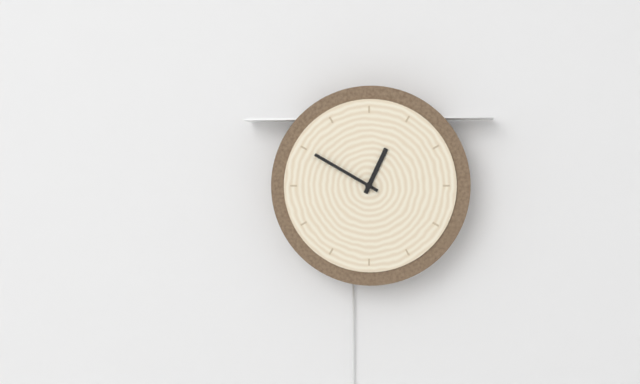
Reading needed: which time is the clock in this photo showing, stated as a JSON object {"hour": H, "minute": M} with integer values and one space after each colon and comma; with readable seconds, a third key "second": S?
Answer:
{"hour": 12, "minute": 50}
